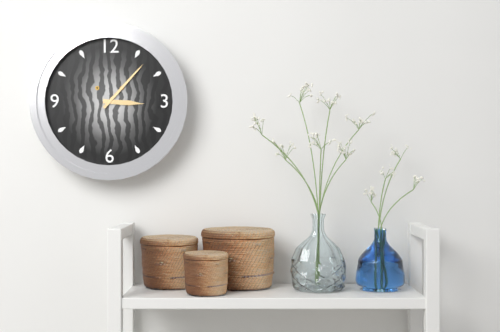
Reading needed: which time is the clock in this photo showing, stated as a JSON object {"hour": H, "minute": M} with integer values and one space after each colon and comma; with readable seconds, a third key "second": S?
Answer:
{"hour": 3, "minute": 7}
